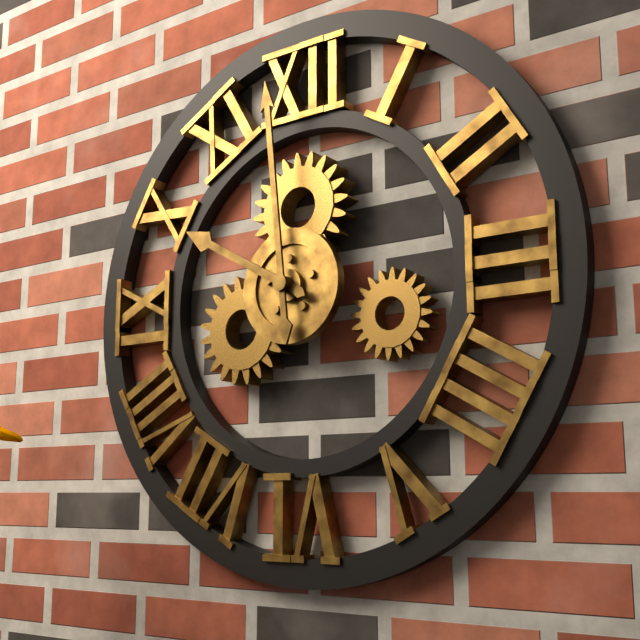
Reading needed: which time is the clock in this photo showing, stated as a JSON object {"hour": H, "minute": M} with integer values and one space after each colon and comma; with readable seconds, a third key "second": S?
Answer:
{"hour": 9, "minute": 59}
